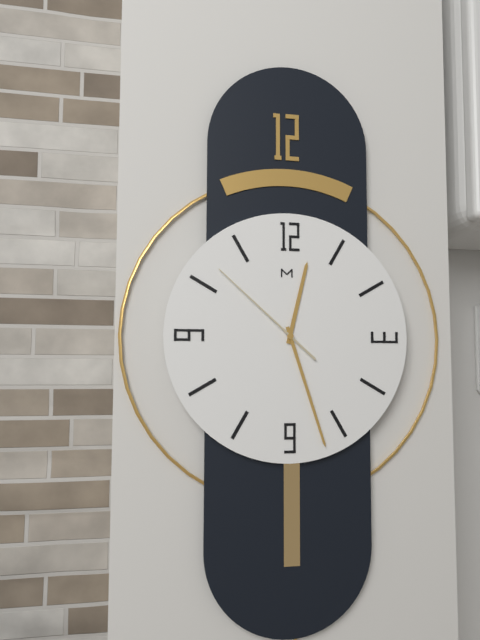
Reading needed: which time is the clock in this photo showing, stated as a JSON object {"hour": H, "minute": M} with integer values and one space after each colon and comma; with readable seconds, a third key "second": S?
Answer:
{"hour": 12, "minute": 27, "second": 52}
